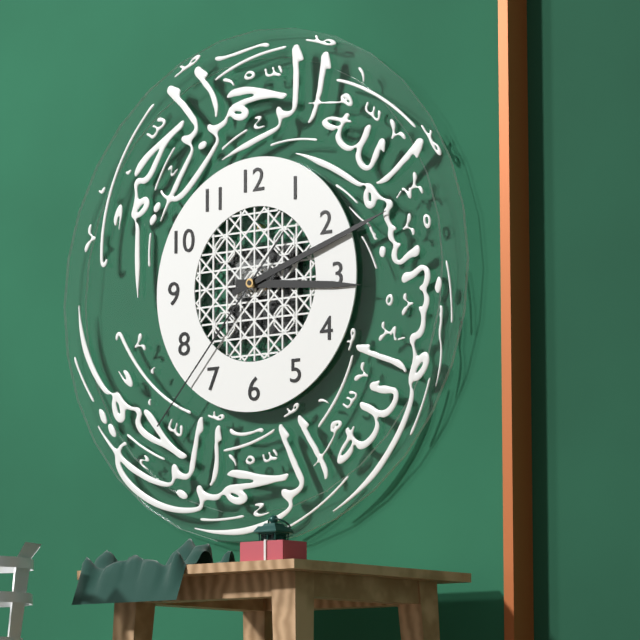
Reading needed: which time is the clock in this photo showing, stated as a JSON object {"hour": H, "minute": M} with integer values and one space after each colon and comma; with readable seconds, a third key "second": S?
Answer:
{"hour": 3, "minute": 12, "second": 37}
